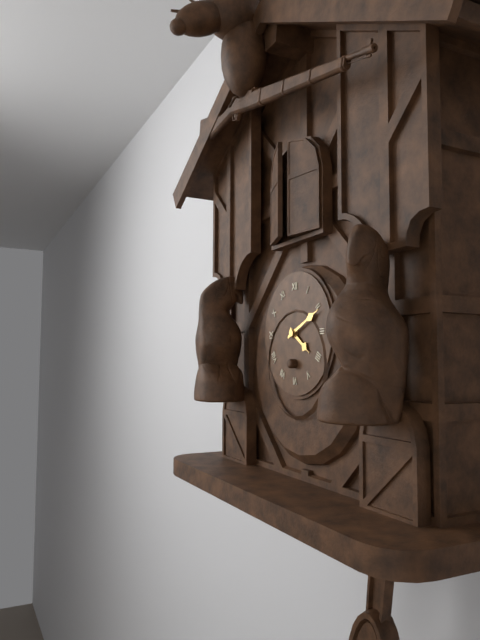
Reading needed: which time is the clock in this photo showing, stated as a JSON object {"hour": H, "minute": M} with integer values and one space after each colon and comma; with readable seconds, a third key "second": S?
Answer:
{"hour": 4, "minute": 11}
